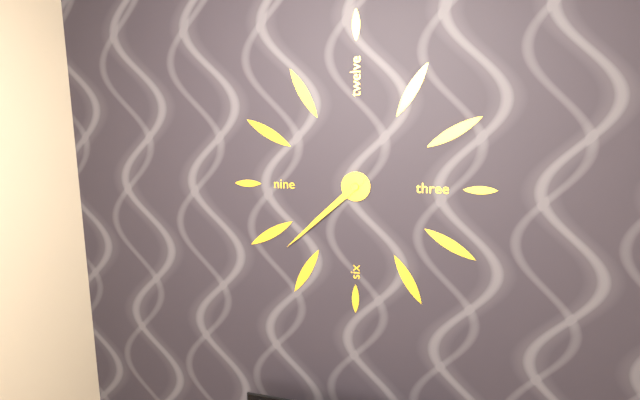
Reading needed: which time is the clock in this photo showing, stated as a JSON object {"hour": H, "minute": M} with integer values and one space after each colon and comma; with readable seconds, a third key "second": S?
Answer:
{"hour": 7, "minute": 38}
